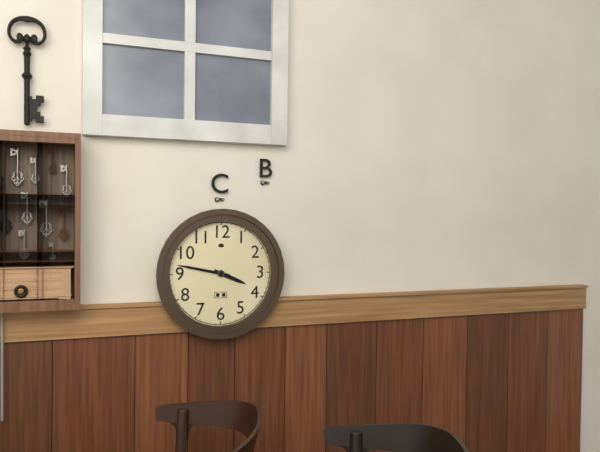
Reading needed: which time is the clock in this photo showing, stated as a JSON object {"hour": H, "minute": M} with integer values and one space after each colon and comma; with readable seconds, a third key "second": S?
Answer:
{"hour": 3, "minute": 47}
